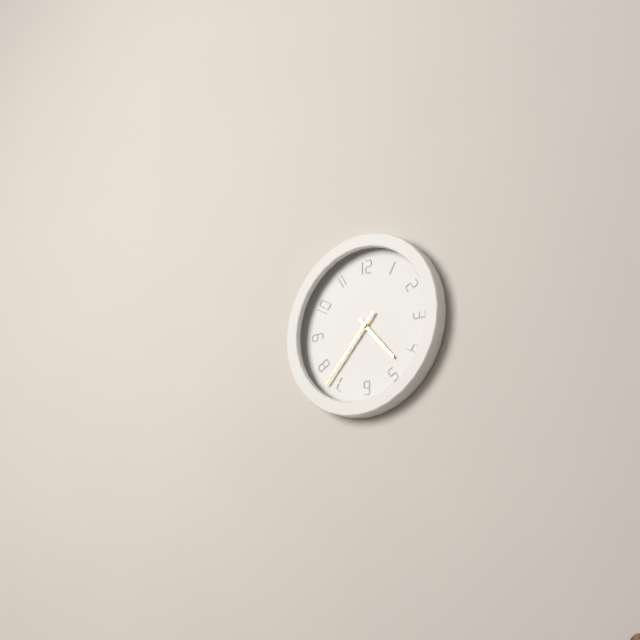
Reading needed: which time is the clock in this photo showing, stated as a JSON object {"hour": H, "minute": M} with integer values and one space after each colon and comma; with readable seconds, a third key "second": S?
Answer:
{"hour": 4, "minute": 37}
